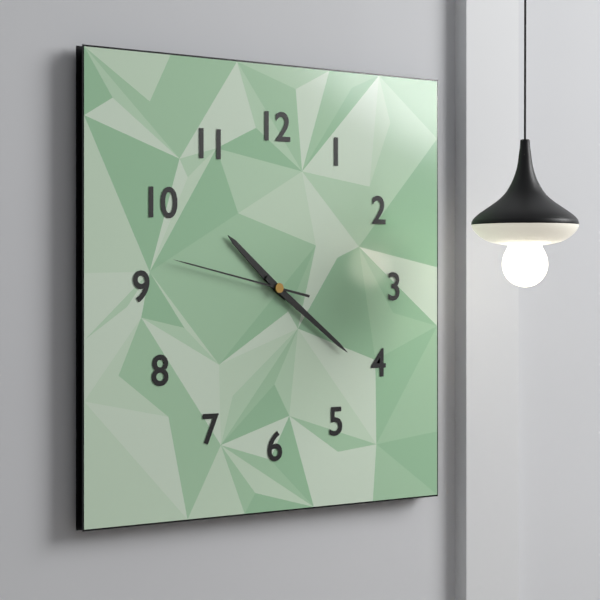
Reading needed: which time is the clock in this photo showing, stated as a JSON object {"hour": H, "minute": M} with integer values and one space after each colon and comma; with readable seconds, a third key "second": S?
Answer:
{"hour": 10, "minute": 21, "second": 47}
